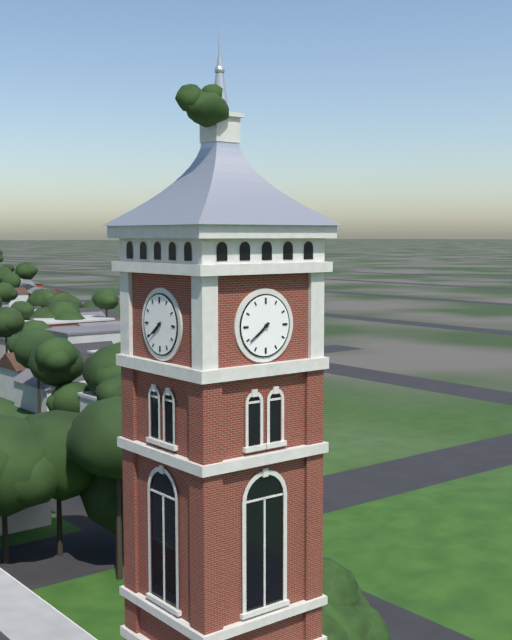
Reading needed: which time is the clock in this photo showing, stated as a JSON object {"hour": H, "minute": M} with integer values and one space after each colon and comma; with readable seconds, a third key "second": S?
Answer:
{"hour": 7, "minute": 39}
